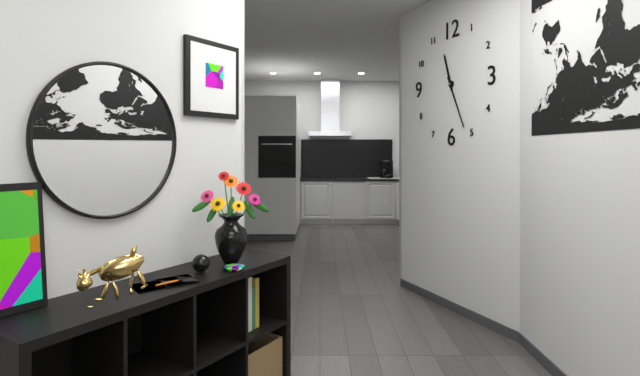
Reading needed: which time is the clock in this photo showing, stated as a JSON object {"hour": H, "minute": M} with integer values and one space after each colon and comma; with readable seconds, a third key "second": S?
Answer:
{"hour": 11, "minute": 26}
